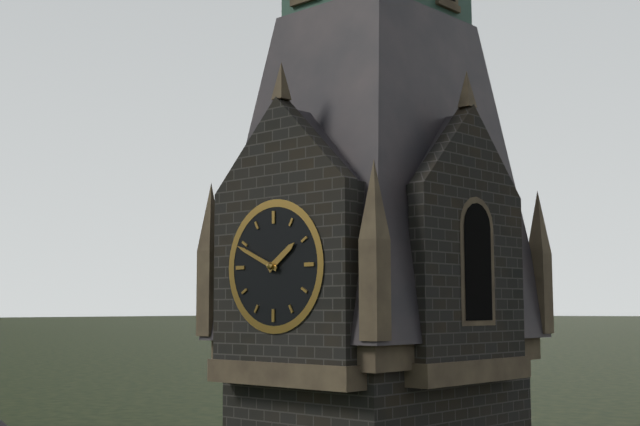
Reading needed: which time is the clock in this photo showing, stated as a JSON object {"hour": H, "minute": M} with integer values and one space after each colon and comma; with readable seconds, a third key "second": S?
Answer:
{"hour": 1, "minute": 49}
